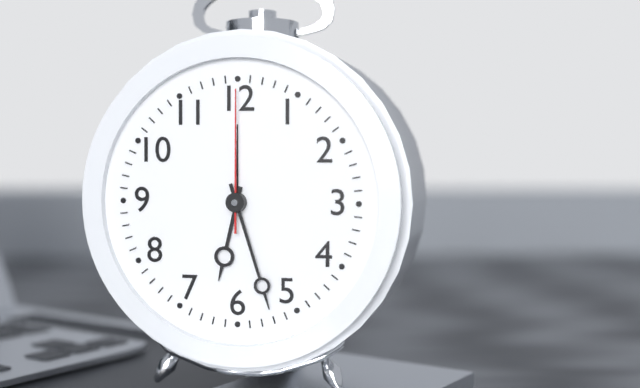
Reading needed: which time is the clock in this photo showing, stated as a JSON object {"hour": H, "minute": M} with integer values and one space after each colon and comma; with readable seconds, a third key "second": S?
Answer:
{"hour": 6, "minute": 27, "second": 0}
